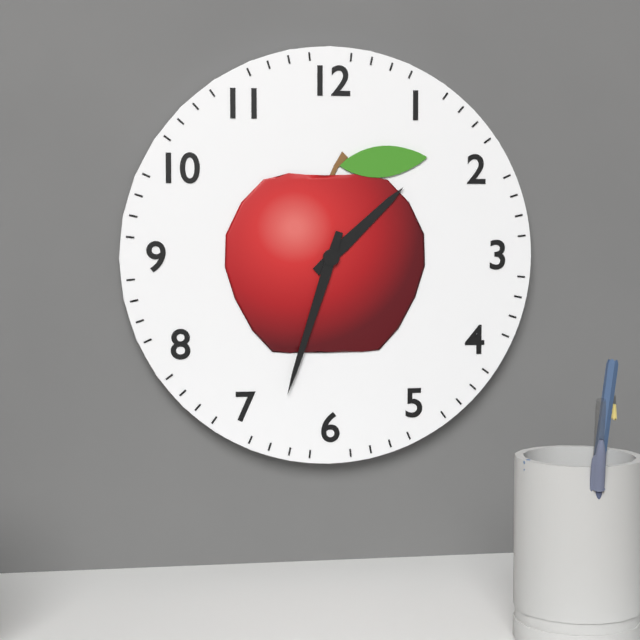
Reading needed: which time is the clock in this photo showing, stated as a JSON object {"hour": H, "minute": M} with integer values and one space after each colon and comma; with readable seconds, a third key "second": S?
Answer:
{"hour": 1, "minute": 33}
